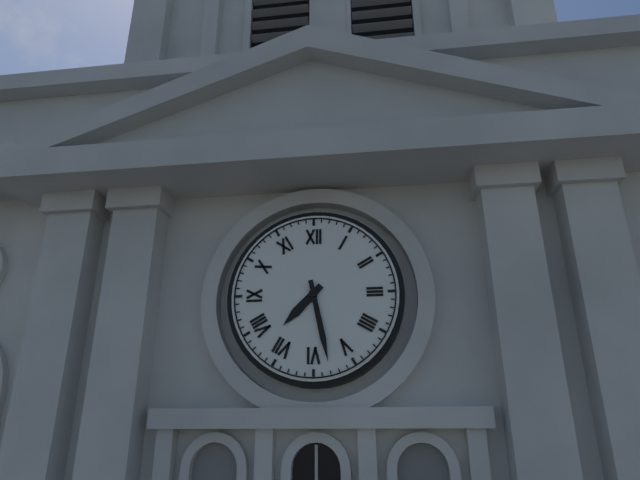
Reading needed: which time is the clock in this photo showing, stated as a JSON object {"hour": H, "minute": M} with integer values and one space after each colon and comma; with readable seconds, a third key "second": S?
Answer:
{"hour": 7, "minute": 28}
